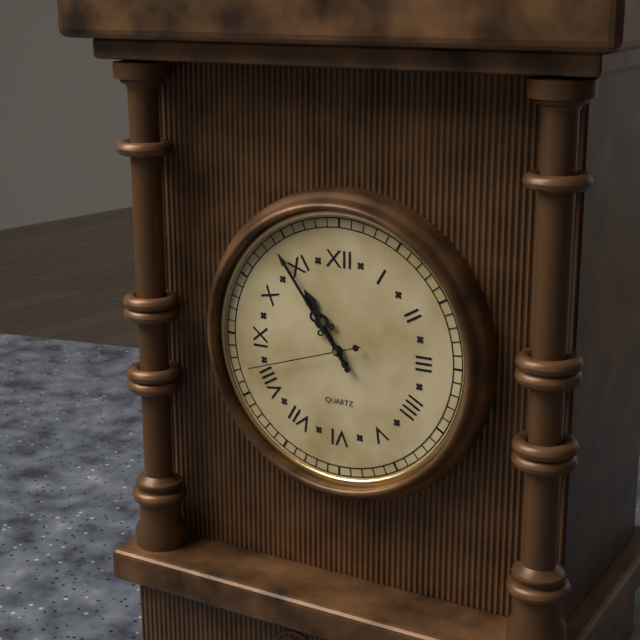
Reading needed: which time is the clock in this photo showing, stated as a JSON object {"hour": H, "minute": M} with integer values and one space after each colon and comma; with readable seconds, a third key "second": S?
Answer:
{"hour": 10, "minute": 54, "second": 42}
